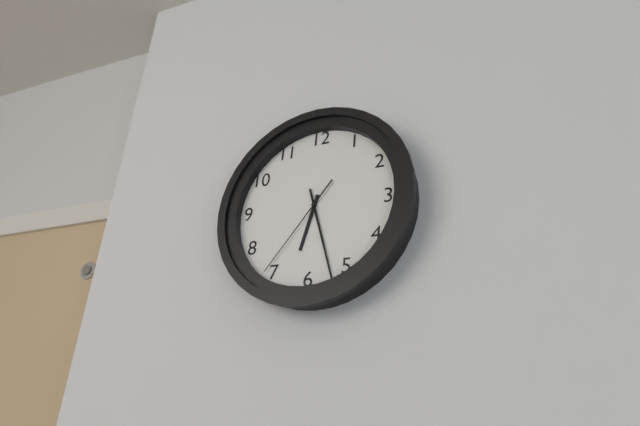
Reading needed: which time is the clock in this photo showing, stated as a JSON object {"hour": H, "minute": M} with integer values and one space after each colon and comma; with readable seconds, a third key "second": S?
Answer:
{"hour": 6, "minute": 27, "second": 36}
